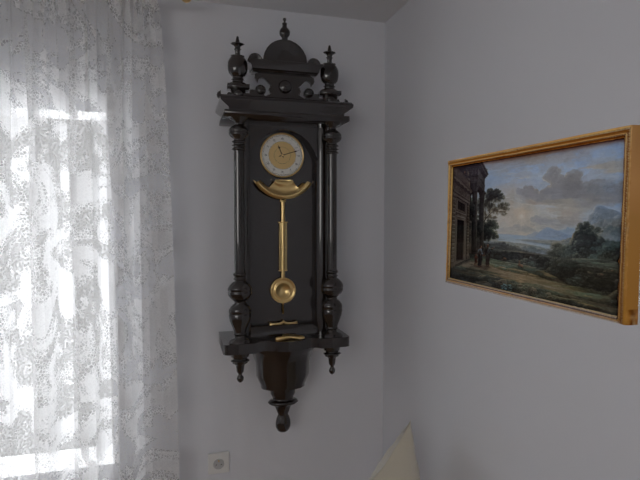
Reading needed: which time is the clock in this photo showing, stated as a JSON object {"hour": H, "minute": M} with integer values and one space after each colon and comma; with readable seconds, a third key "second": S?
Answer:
{"hour": 11, "minute": 12}
